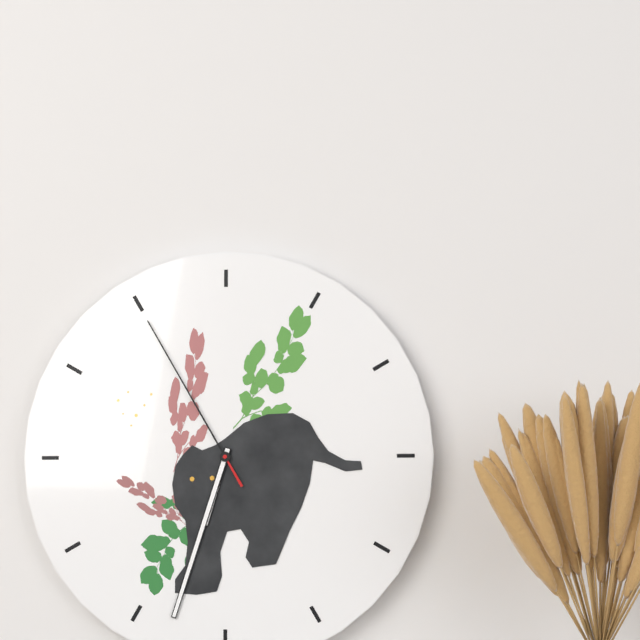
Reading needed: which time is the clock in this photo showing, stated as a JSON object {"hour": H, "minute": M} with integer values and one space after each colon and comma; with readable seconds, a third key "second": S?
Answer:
{"hour": 6, "minute": 33, "second": 55}
